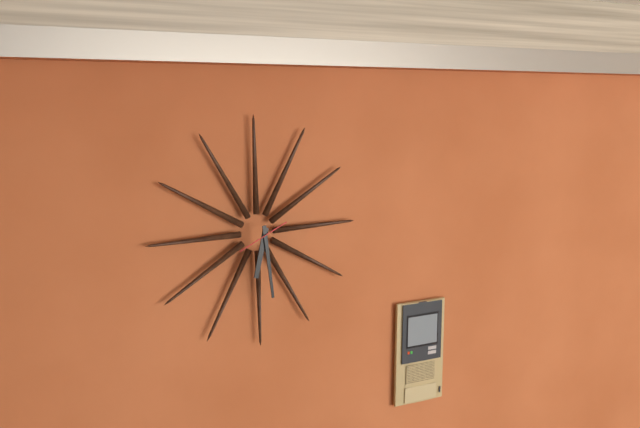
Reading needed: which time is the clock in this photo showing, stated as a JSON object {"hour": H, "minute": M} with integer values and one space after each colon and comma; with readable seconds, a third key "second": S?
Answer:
{"hour": 6, "minute": 29}
